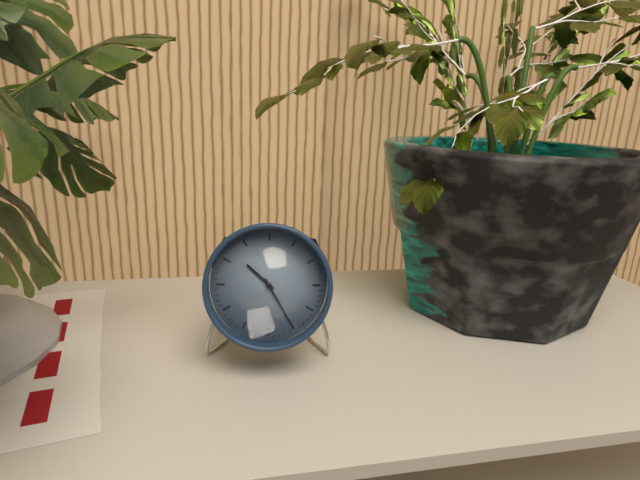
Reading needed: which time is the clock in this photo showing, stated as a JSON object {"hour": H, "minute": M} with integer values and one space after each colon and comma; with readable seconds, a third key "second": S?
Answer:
{"hour": 10, "minute": 25}
